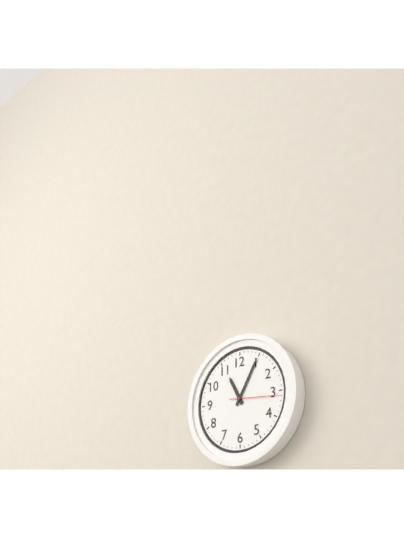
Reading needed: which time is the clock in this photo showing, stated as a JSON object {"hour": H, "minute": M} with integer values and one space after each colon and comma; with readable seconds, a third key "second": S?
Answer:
{"hour": 11, "minute": 5}
